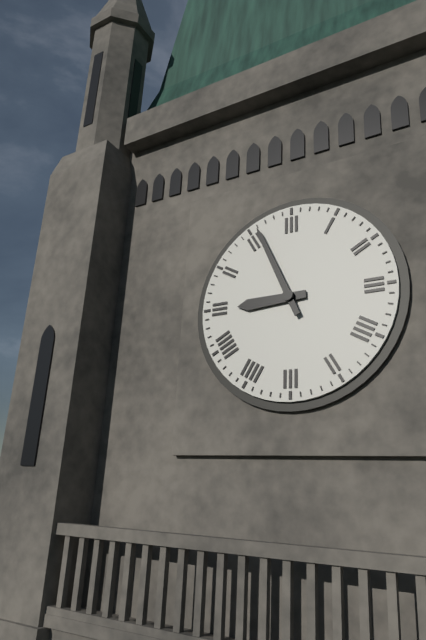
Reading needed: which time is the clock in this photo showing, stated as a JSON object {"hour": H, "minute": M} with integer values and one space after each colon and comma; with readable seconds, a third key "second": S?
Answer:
{"hour": 8, "minute": 56}
